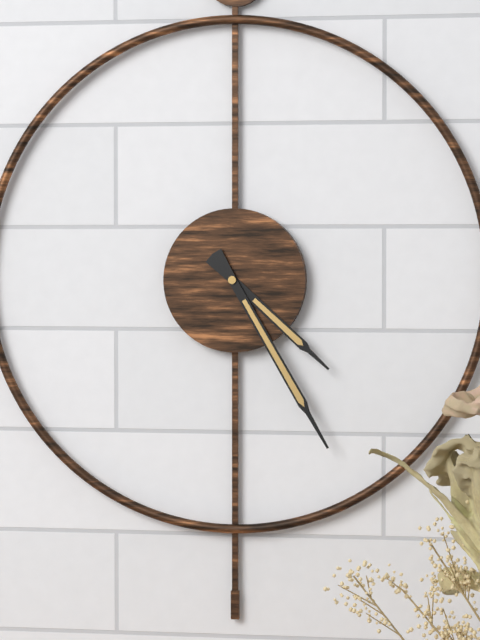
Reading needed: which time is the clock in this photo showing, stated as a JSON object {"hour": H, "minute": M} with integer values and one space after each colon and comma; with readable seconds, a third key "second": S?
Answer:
{"hour": 4, "minute": 25}
